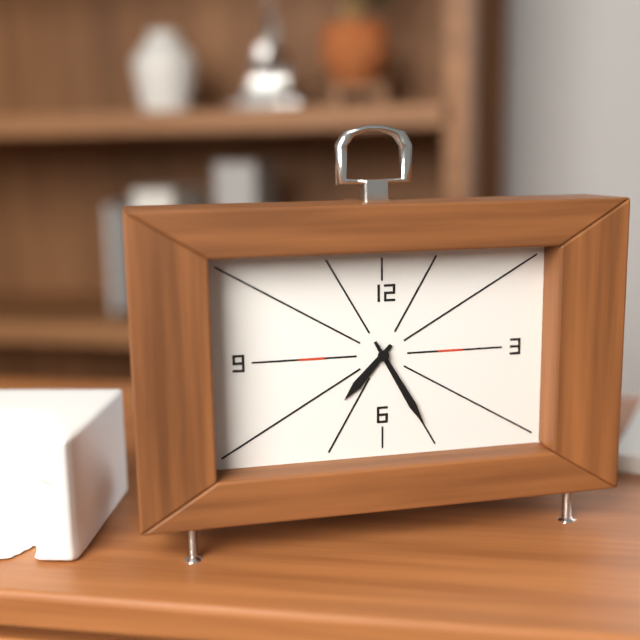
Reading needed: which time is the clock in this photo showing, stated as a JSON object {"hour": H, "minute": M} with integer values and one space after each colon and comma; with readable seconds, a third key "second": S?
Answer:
{"hour": 7, "minute": 25}
